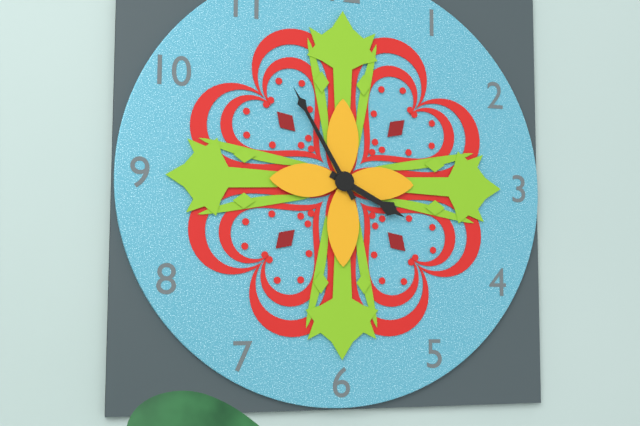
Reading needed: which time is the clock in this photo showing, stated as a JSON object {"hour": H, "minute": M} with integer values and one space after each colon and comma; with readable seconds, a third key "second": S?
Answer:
{"hour": 3, "minute": 55}
